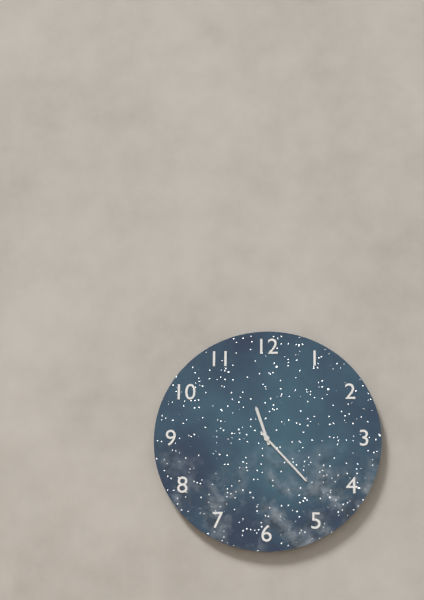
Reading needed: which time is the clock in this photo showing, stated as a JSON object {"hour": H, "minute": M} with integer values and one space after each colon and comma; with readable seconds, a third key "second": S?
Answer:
{"hour": 11, "minute": 23}
